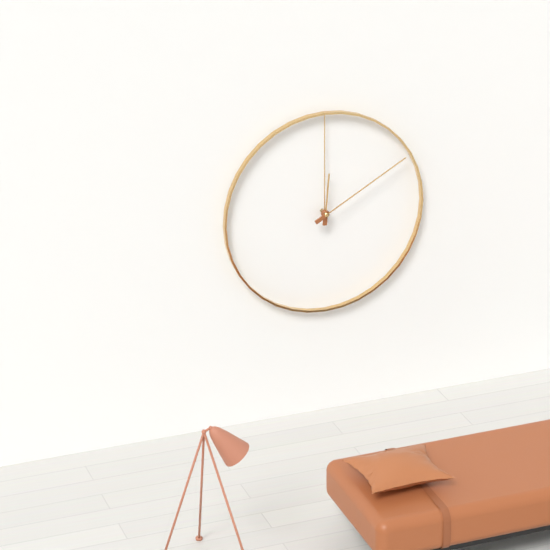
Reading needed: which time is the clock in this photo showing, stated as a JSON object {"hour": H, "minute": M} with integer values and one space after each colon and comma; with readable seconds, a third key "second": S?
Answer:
{"hour": 12, "minute": 10}
